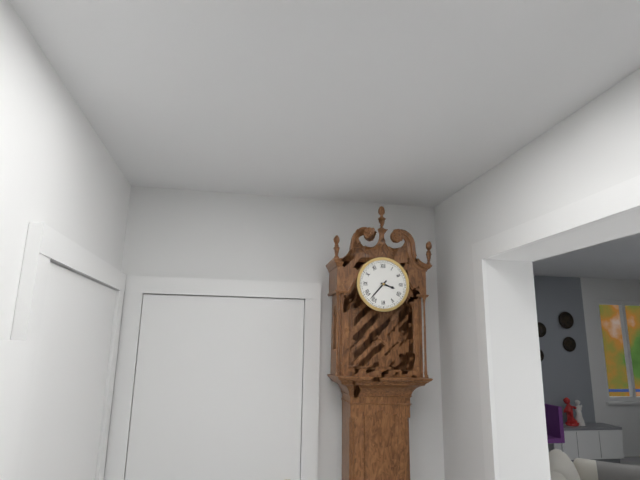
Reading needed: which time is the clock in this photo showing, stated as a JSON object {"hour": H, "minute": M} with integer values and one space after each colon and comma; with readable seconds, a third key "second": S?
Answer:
{"hour": 3, "minute": 37}
